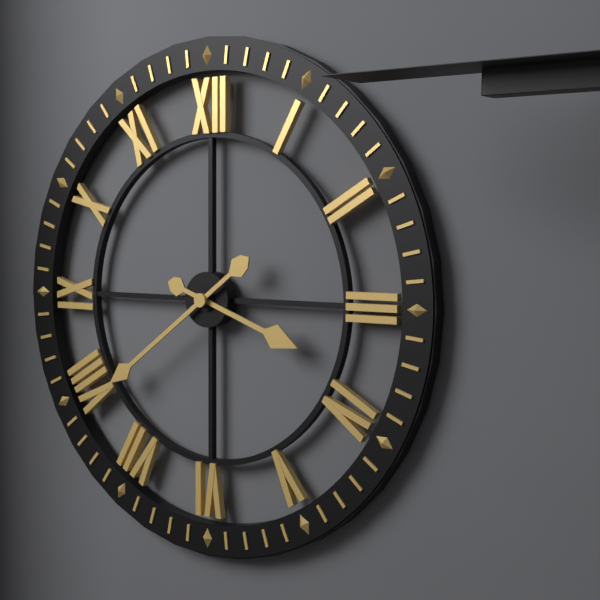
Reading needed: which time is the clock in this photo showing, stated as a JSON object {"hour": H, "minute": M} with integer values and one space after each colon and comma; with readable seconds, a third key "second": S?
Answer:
{"hour": 3, "minute": 39}
